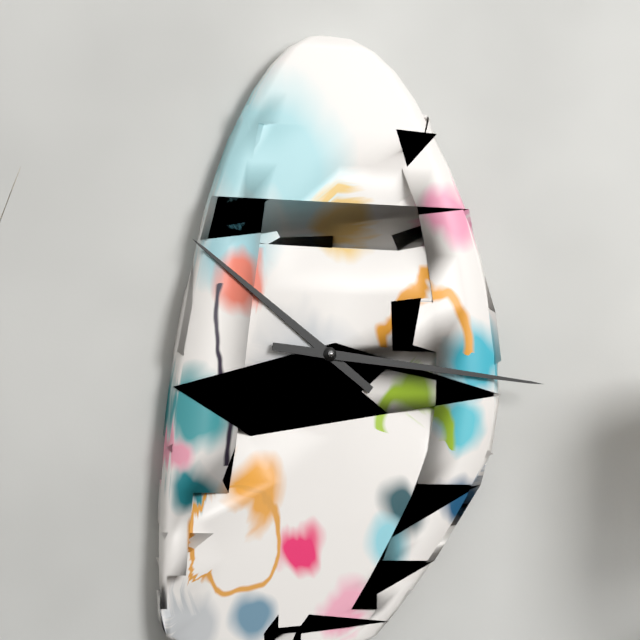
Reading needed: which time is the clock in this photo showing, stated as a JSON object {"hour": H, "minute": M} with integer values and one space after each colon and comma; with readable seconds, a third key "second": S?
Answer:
{"hour": 10, "minute": 16}
